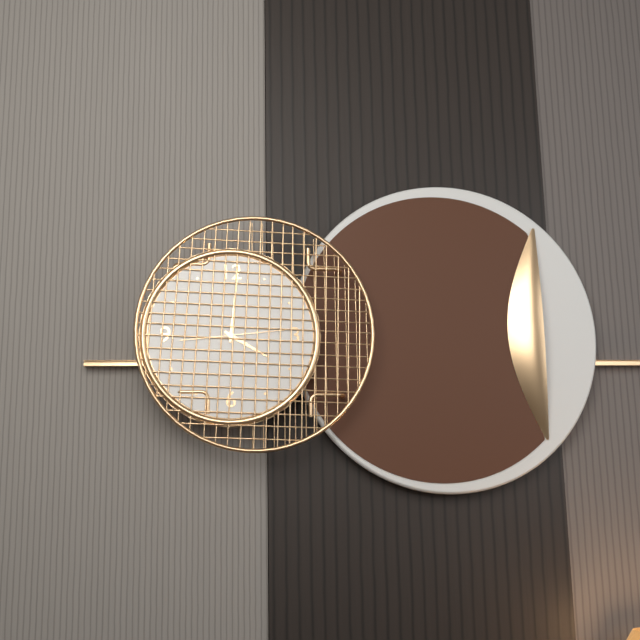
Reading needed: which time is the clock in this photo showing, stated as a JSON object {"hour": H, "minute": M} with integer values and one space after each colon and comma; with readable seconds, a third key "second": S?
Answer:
{"hour": 4, "minute": 1, "second": 14}
